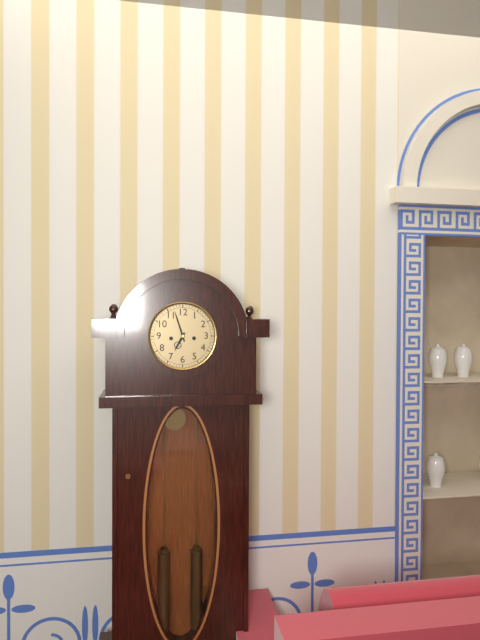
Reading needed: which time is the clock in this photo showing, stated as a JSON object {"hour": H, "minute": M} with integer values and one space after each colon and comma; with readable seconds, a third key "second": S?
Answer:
{"hour": 6, "minute": 57}
